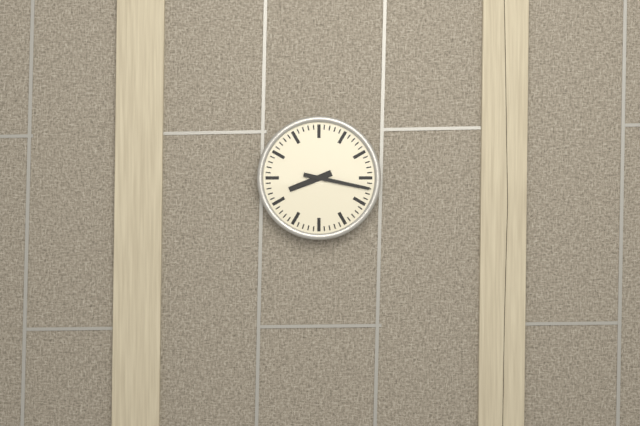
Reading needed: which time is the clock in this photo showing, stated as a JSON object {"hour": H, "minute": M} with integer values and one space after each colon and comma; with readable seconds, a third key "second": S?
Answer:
{"hour": 8, "minute": 17}
